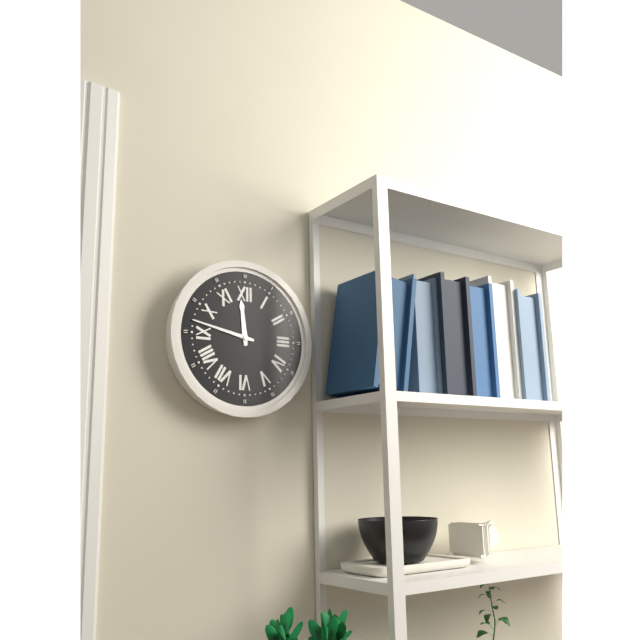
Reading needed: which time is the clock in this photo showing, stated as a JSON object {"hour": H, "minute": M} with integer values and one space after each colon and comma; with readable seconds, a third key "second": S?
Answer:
{"hour": 11, "minute": 47}
